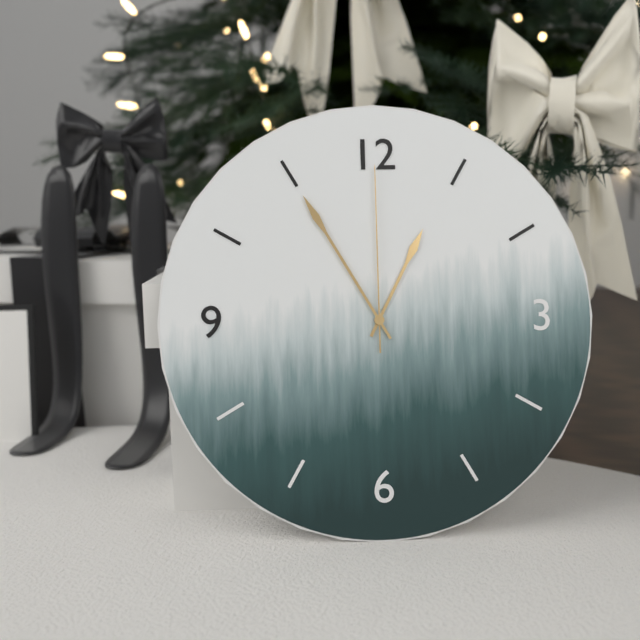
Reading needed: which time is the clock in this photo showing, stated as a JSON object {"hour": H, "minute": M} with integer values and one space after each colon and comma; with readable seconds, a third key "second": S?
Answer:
{"hour": 12, "minute": 55, "second": 0}
